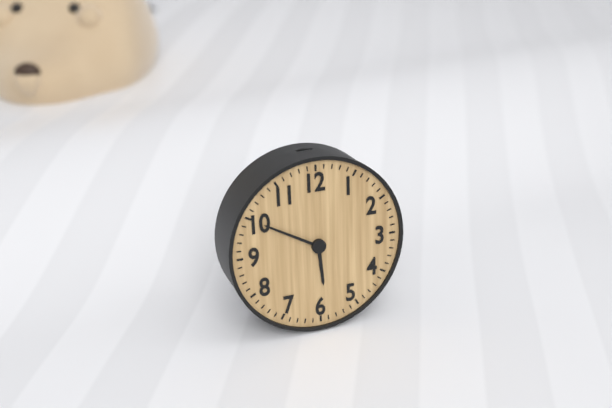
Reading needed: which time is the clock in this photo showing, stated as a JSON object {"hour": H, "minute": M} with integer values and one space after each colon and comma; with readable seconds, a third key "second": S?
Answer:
{"hour": 5, "minute": 50}
